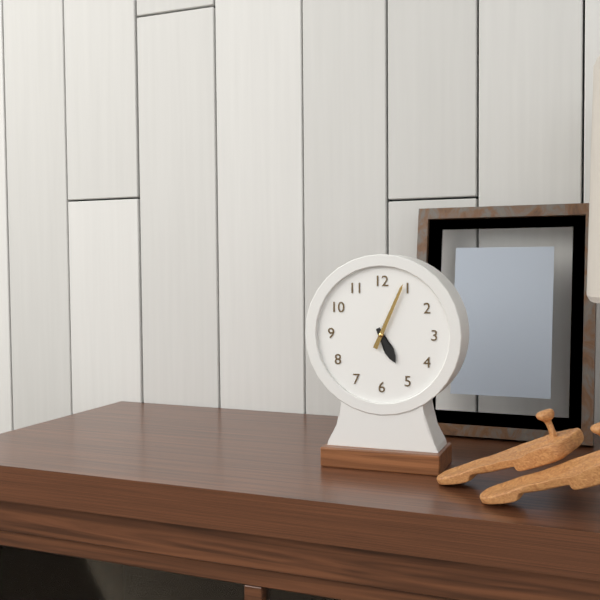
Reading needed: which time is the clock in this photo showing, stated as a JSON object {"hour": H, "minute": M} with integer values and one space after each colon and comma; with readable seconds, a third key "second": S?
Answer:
{"hour": 5, "minute": 4}
